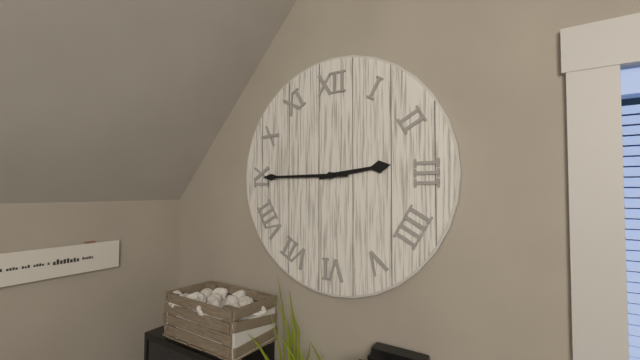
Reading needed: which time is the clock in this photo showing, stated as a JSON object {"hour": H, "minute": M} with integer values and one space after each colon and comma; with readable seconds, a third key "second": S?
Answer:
{"hour": 2, "minute": 45}
